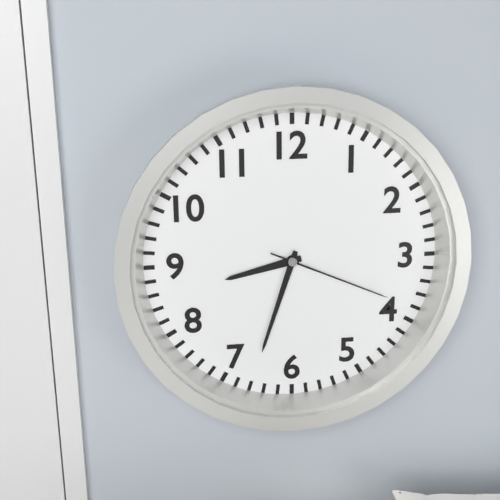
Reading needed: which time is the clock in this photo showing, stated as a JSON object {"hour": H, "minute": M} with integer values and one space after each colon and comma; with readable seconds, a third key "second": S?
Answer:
{"hour": 8, "minute": 33, "second": 19}
